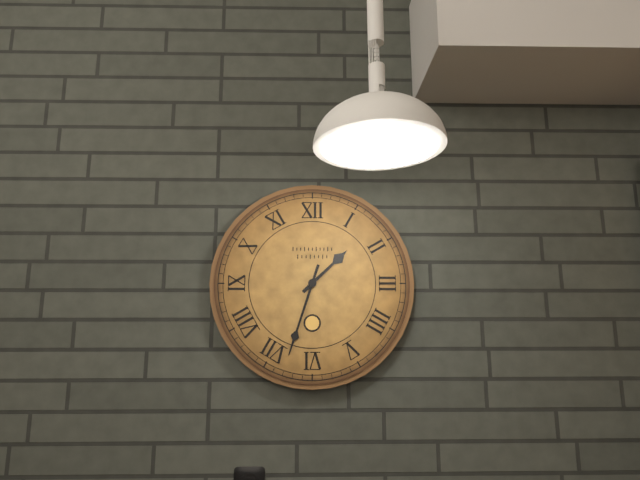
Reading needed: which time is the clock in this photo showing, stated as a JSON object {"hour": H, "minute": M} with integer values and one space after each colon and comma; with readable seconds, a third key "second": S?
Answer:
{"hour": 1, "minute": 33}
